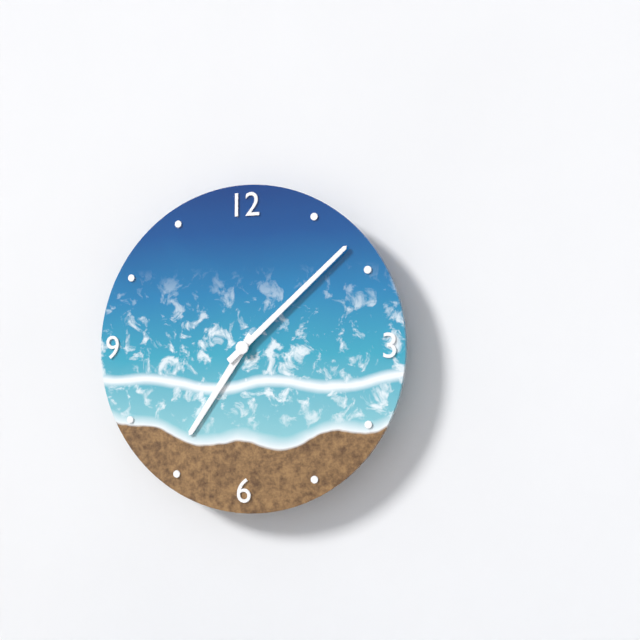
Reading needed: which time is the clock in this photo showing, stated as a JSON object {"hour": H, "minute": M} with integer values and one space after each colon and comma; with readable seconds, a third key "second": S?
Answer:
{"hour": 7, "minute": 8}
